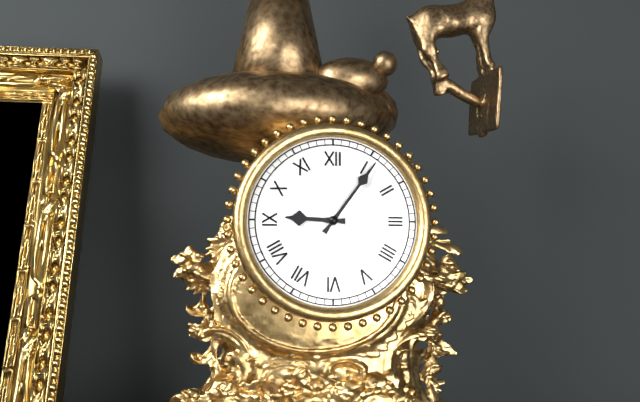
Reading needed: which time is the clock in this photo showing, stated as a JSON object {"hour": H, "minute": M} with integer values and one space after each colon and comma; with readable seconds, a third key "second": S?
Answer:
{"hour": 9, "minute": 6}
